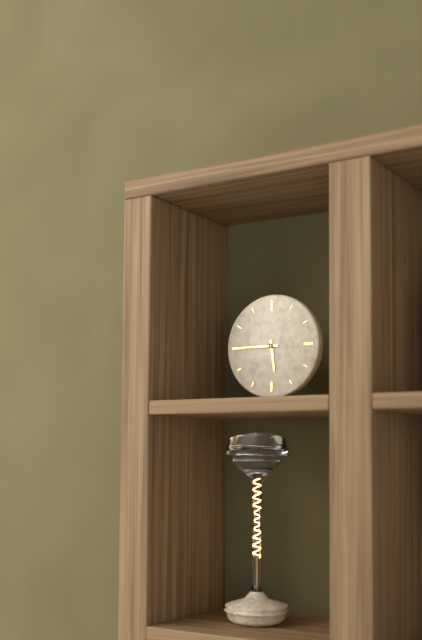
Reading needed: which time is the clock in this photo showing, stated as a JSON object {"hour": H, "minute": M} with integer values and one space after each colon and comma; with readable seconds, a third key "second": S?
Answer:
{"hour": 5, "minute": 45}
